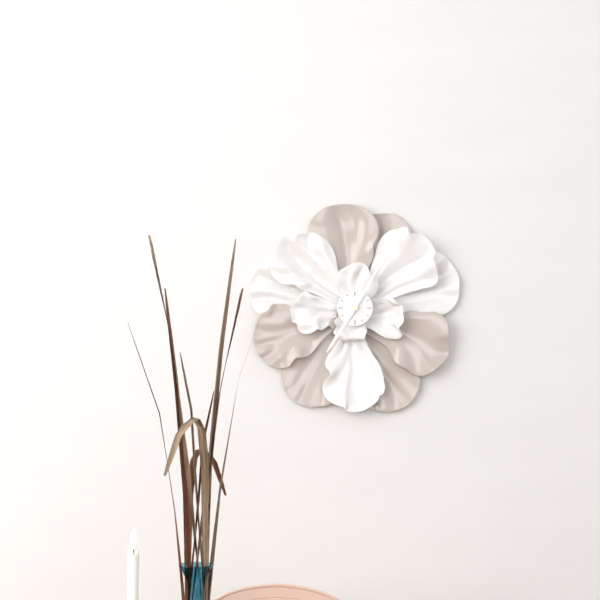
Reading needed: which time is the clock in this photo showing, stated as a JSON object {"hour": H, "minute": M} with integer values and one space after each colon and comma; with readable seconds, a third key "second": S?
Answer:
{"hour": 7, "minute": 5}
